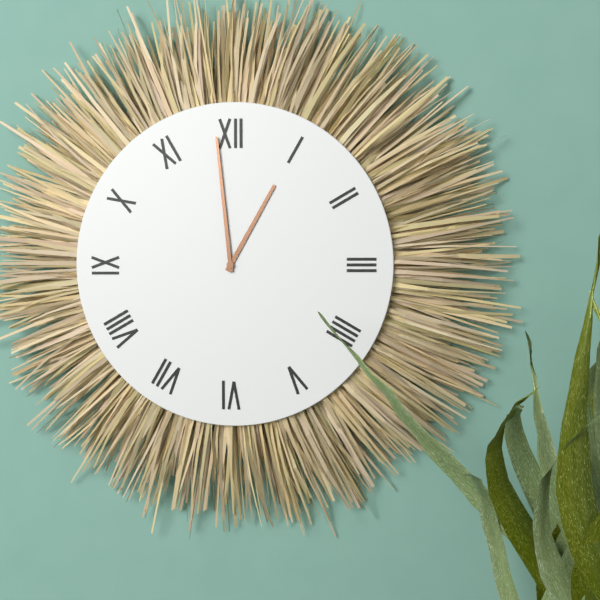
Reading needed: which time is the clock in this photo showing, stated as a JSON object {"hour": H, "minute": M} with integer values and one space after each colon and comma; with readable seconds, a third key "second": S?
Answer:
{"hour": 12, "minute": 59}
